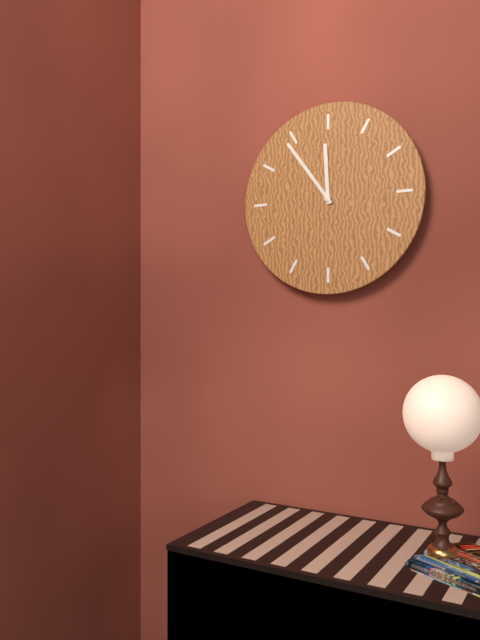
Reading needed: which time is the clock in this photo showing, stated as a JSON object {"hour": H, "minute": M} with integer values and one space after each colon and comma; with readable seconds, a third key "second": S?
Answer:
{"hour": 11, "minute": 54}
